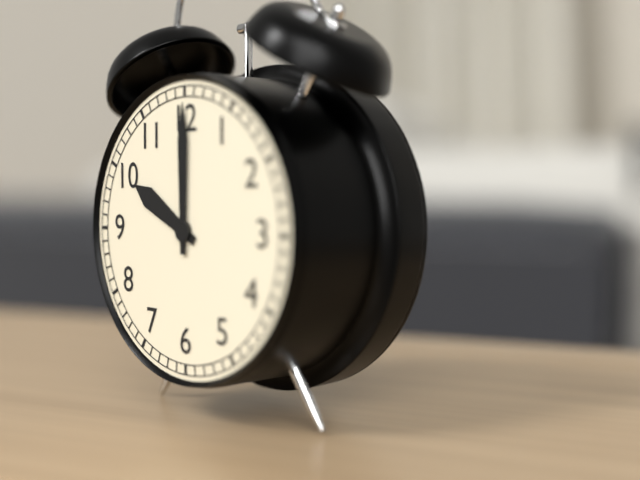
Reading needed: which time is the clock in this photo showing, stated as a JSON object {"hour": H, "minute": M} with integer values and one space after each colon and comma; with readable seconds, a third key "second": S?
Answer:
{"hour": 10, "minute": 0}
